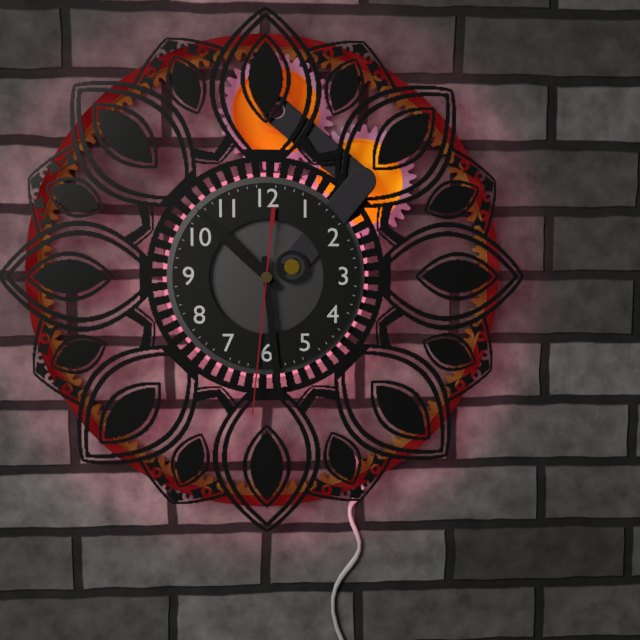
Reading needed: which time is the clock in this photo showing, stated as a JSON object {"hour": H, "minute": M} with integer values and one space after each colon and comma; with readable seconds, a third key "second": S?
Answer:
{"hour": 10, "minute": 29, "second": 31}
